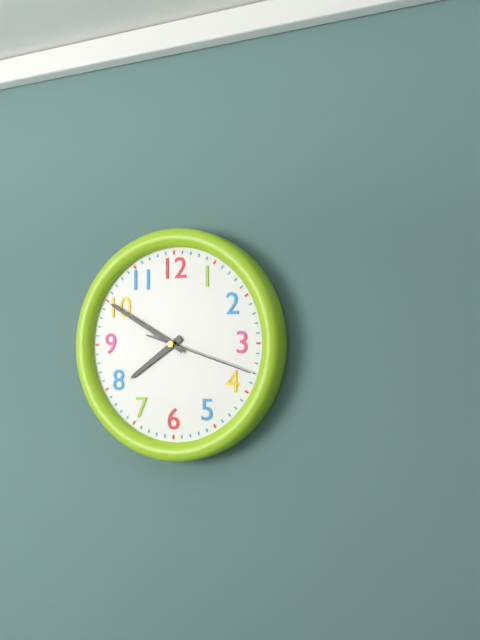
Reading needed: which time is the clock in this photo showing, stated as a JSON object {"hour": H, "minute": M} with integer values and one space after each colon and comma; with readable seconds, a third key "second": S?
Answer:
{"hour": 7, "minute": 50, "second": 18}
